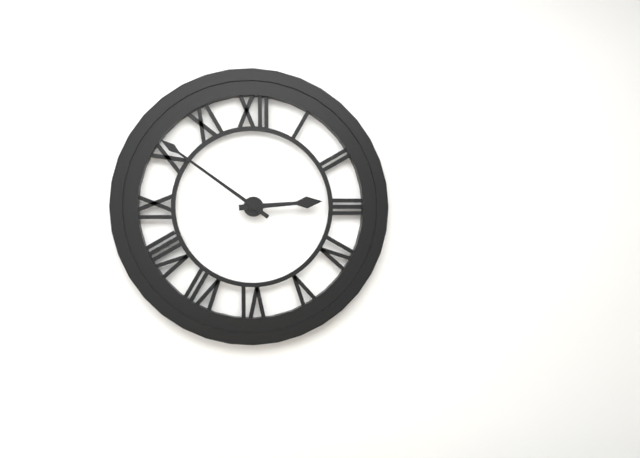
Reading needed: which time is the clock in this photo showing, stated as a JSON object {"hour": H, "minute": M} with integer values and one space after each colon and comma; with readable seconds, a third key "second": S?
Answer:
{"hour": 2, "minute": 51}
